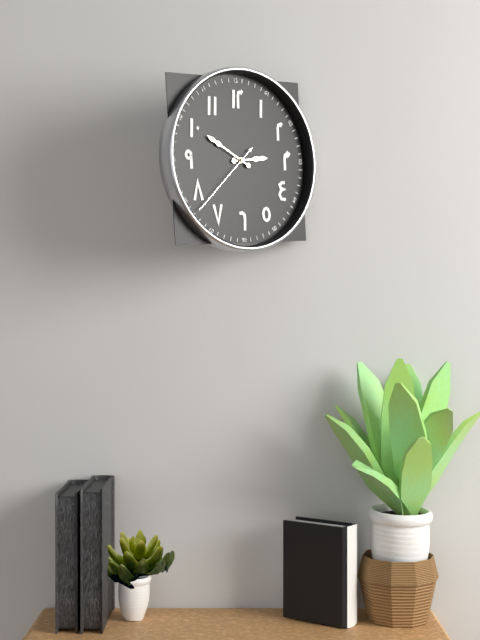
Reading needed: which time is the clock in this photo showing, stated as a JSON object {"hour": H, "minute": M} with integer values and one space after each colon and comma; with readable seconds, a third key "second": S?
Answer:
{"hour": 2, "minute": 50, "second": 38}
